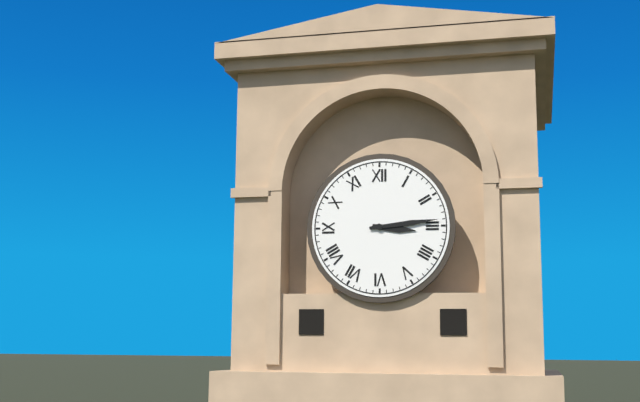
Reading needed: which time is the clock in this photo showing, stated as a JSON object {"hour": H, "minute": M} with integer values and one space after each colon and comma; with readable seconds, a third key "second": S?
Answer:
{"hour": 3, "minute": 14}
